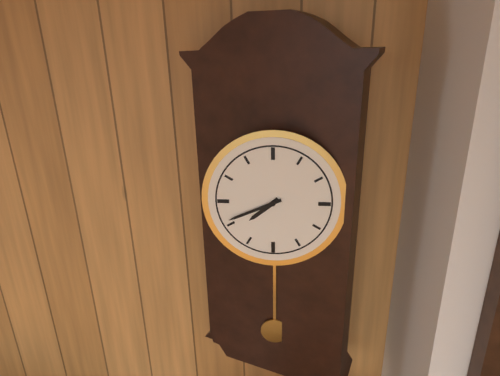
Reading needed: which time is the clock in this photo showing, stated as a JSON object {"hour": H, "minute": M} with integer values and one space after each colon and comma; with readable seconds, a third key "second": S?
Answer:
{"hour": 7, "minute": 41}
